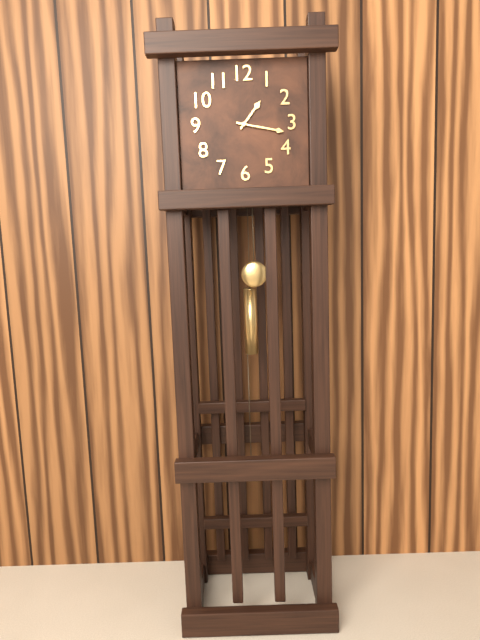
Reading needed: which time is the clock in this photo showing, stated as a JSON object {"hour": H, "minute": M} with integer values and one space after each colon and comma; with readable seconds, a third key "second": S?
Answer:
{"hour": 1, "minute": 17}
